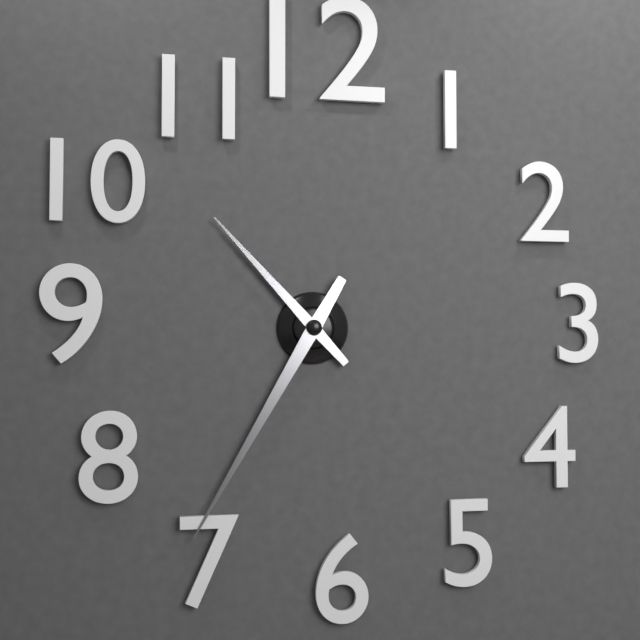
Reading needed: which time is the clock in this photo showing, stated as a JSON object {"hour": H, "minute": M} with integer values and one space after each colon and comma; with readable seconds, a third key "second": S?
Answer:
{"hour": 10, "minute": 35}
